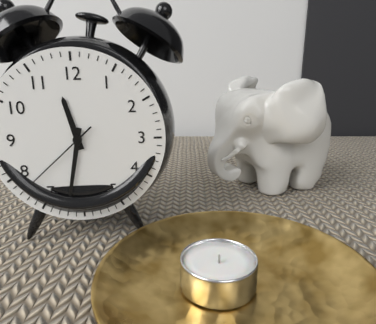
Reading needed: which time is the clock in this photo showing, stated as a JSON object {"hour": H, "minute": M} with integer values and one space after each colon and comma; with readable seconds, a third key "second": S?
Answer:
{"hour": 11, "minute": 32, "second": 38}
